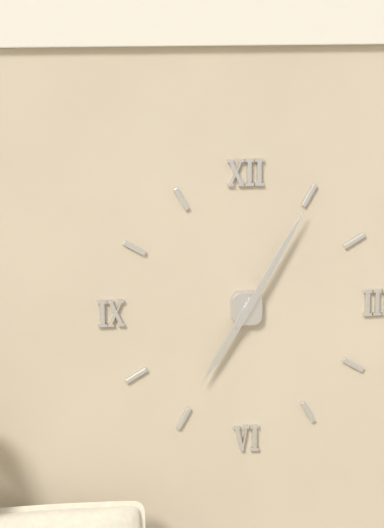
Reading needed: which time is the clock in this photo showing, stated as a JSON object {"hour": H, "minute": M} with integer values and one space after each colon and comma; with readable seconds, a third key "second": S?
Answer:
{"hour": 7, "minute": 5}
